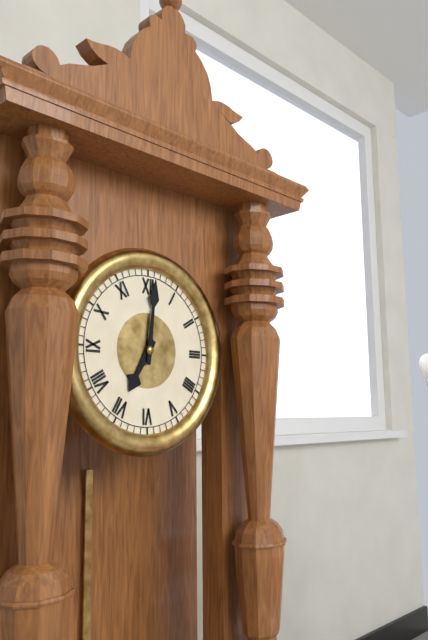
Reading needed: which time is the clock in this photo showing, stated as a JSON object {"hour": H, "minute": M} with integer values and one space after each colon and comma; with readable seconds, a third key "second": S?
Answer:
{"hour": 7, "minute": 1}
